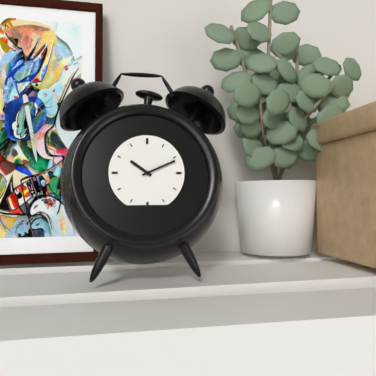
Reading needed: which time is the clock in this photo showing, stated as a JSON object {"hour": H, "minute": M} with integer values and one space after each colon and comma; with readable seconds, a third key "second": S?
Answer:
{"hour": 10, "minute": 11}
